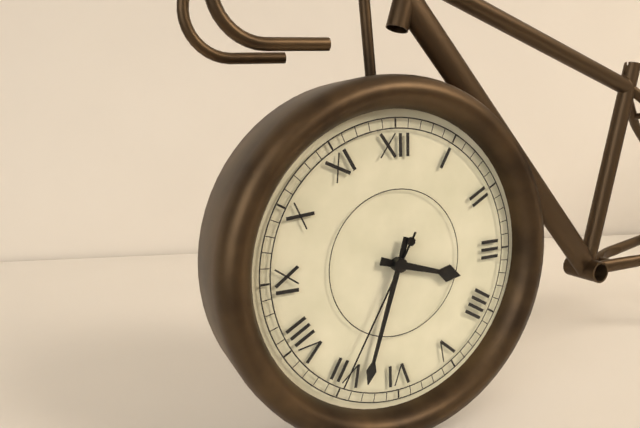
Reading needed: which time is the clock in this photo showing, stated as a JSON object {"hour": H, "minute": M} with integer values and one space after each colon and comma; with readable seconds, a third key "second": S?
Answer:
{"hour": 3, "minute": 33, "second": 35}
